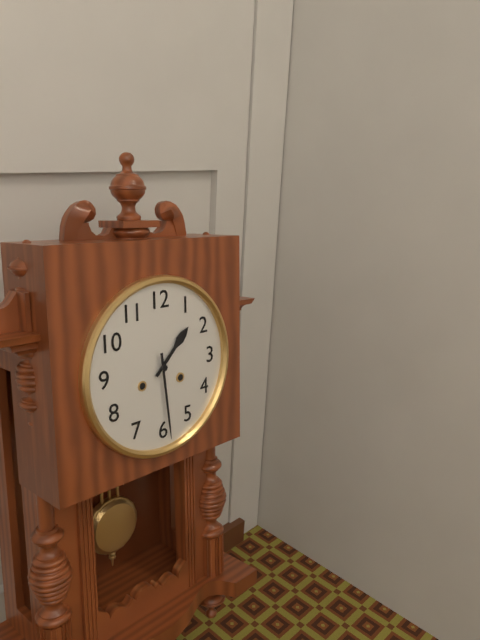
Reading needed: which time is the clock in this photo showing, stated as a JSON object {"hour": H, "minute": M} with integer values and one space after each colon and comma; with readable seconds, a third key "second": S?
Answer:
{"hour": 1, "minute": 29}
